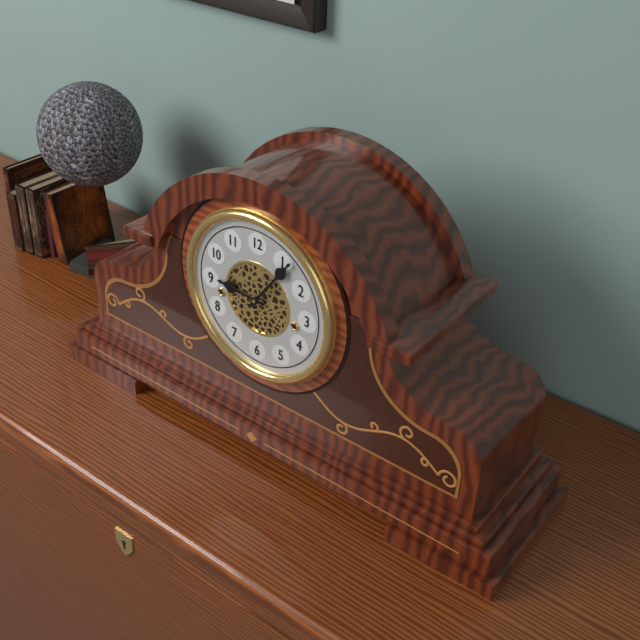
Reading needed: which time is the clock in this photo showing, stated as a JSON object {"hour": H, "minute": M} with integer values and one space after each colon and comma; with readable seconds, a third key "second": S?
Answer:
{"hour": 9, "minute": 6}
